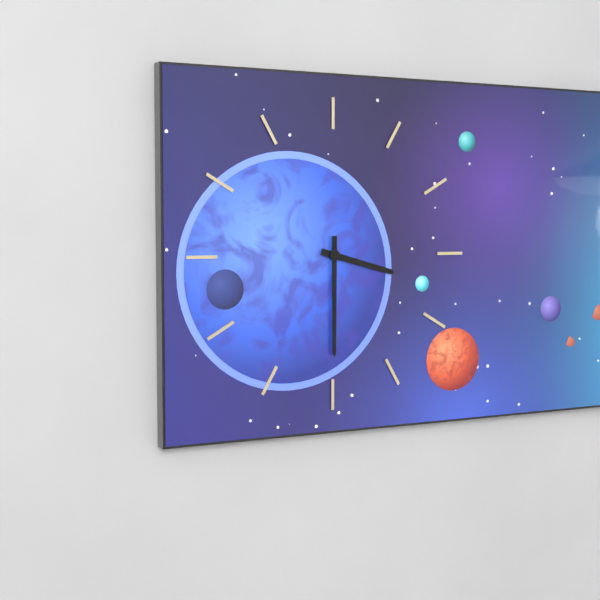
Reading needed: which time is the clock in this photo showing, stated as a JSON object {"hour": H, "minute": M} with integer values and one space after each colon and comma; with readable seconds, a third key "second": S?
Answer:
{"hour": 3, "minute": 30}
